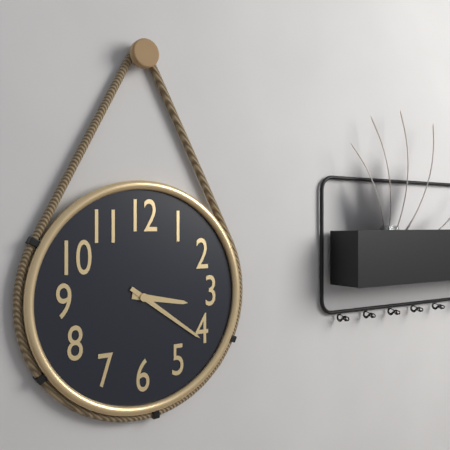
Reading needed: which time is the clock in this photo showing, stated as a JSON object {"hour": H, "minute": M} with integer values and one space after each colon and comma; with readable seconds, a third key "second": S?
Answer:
{"hour": 3, "minute": 21}
